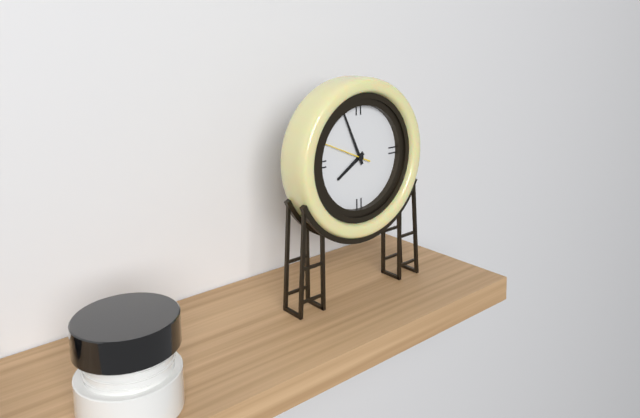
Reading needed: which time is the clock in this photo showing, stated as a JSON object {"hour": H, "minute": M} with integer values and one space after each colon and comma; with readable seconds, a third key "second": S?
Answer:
{"hour": 7, "minute": 56, "second": 49}
